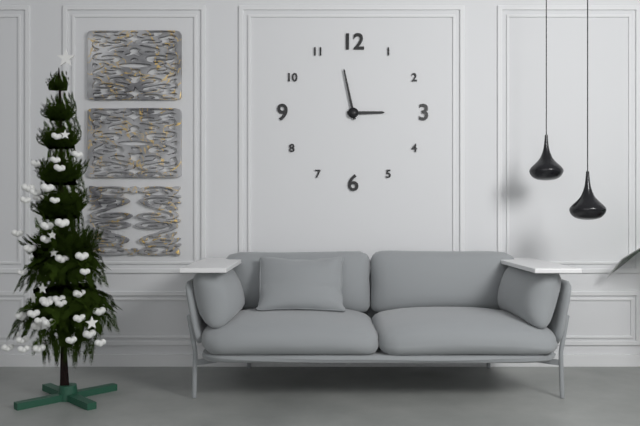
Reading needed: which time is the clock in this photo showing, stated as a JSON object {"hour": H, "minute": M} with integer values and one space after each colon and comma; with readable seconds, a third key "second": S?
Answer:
{"hour": 2, "minute": 58}
